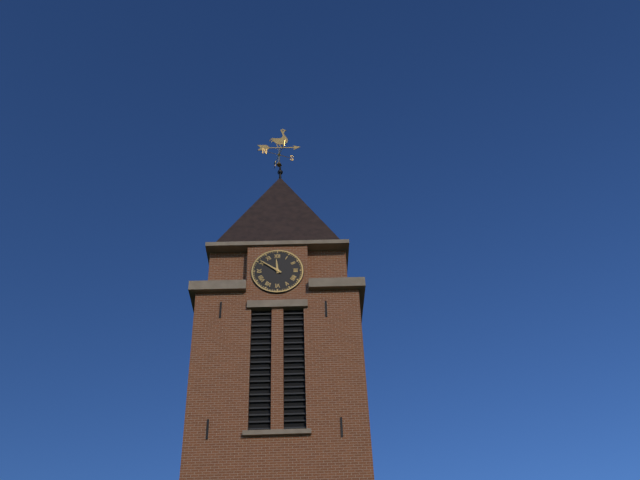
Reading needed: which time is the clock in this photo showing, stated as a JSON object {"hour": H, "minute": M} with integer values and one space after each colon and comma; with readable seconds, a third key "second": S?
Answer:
{"hour": 11, "minute": 51}
